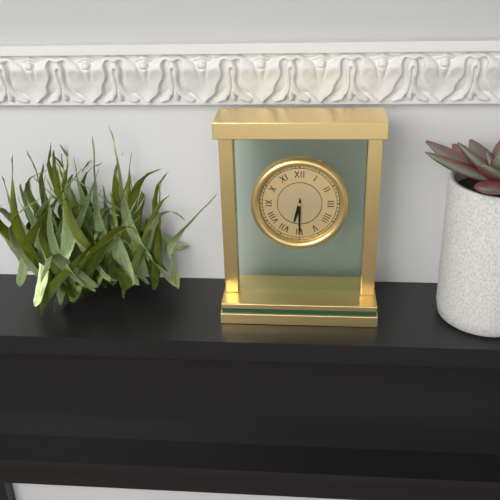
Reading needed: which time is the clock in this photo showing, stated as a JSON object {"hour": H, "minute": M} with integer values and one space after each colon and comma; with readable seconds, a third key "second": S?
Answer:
{"hour": 6, "minute": 30}
